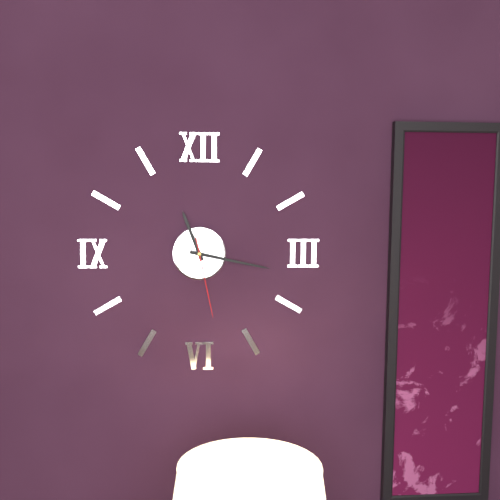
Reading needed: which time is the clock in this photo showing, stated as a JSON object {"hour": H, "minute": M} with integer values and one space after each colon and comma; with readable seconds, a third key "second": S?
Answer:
{"hour": 11, "minute": 17, "second": 28}
